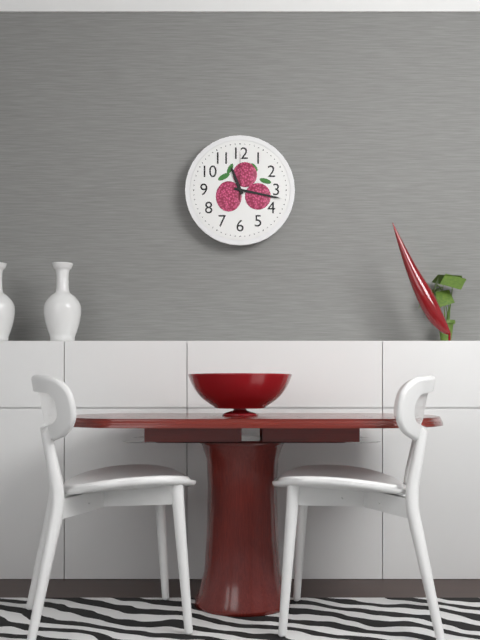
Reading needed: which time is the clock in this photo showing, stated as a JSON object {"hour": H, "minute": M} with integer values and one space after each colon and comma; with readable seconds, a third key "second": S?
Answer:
{"hour": 11, "minute": 17}
